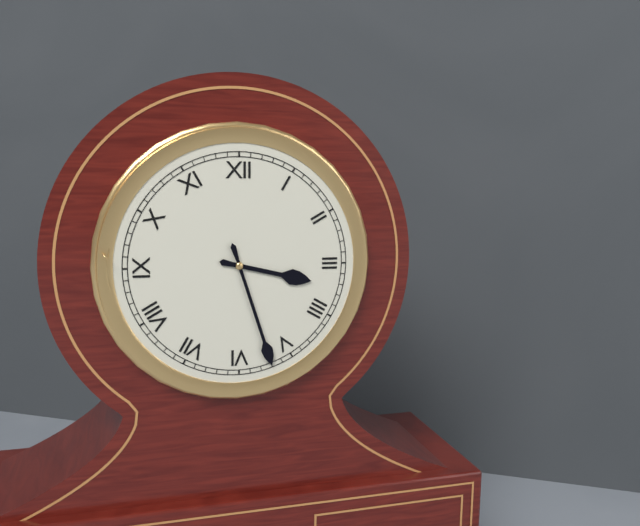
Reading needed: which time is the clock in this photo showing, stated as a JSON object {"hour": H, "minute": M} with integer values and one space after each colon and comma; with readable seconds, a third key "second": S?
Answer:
{"hour": 3, "minute": 27}
